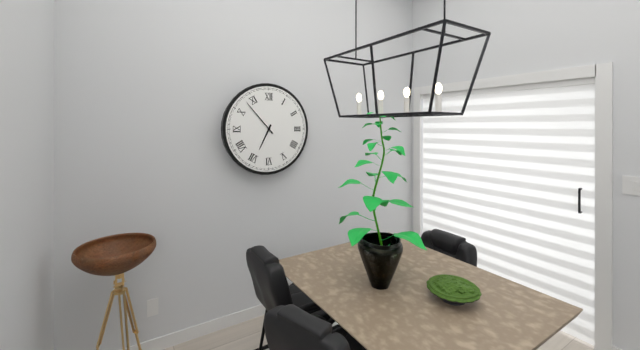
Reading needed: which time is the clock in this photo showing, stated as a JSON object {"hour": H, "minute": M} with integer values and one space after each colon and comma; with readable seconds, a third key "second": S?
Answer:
{"hour": 6, "minute": 53}
